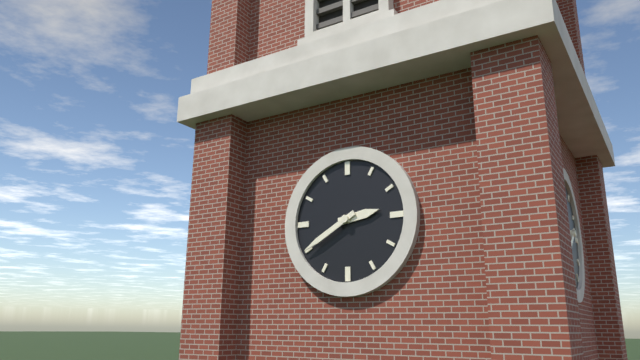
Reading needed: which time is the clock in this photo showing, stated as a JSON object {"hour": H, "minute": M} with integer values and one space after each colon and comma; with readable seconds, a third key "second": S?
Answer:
{"hour": 2, "minute": 40}
